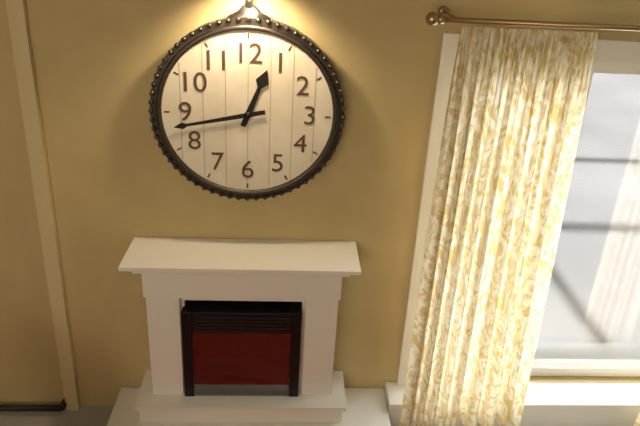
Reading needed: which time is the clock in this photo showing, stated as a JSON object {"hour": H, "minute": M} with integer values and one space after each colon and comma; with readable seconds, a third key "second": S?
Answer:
{"hour": 12, "minute": 43}
